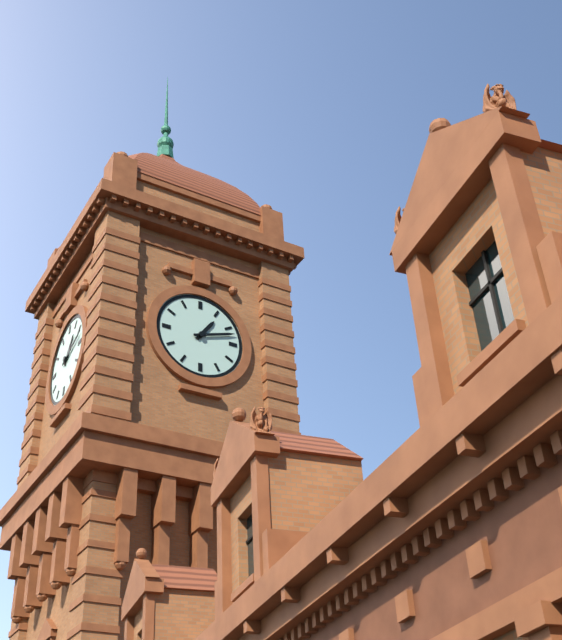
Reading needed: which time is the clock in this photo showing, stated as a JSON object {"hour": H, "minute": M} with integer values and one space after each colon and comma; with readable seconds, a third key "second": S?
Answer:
{"hour": 1, "minute": 12}
